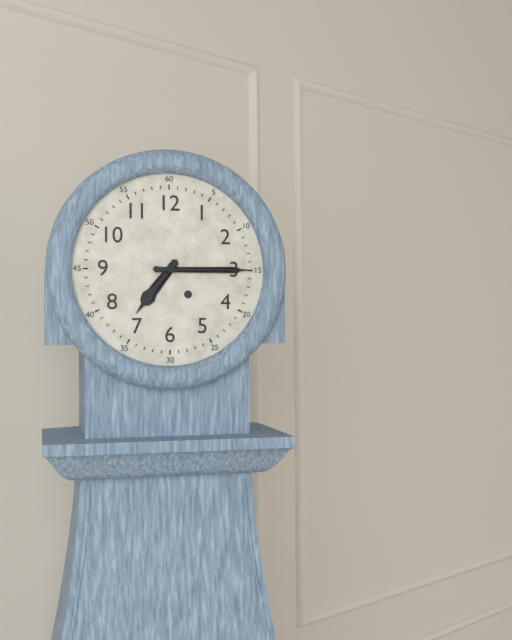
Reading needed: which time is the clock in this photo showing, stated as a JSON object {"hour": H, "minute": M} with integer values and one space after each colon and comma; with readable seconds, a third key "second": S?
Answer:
{"hour": 7, "minute": 15}
